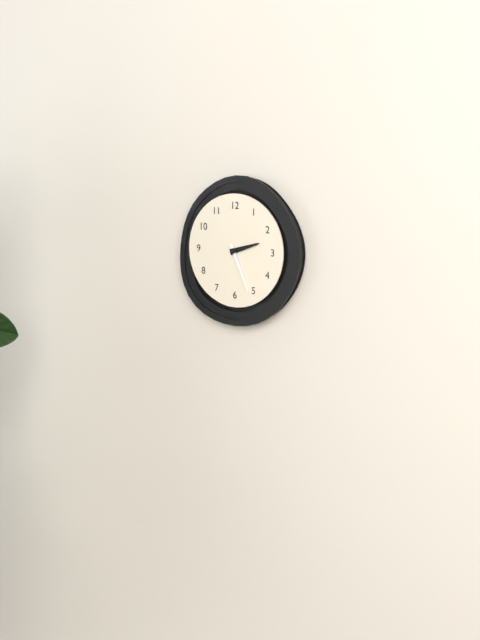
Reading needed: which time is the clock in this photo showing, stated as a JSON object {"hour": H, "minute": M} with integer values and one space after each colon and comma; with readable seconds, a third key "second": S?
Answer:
{"hour": 2, "minute": 26}
